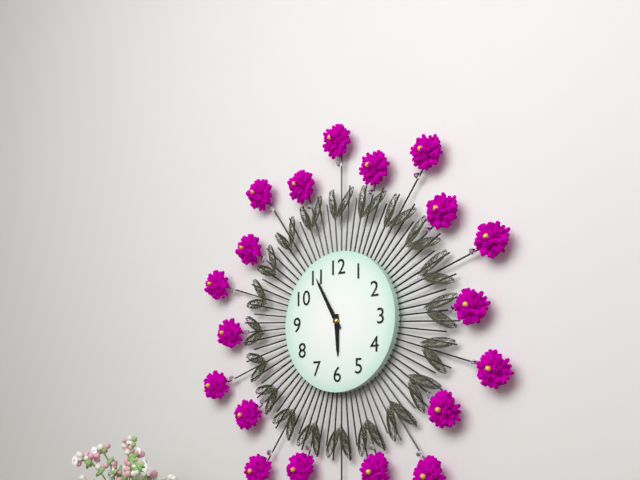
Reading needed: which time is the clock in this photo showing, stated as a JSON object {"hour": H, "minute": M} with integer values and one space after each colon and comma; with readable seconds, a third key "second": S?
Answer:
{"hour": 5, "minute": 55}
